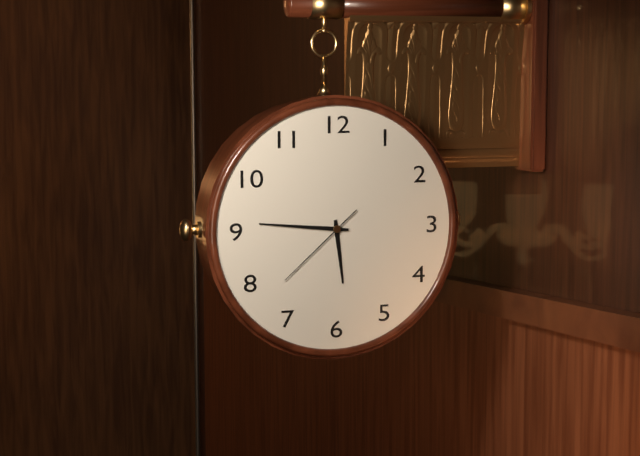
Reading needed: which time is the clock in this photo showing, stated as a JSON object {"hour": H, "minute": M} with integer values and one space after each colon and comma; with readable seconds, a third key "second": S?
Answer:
{"hour": 5, "minute": 46, "second": 38}
